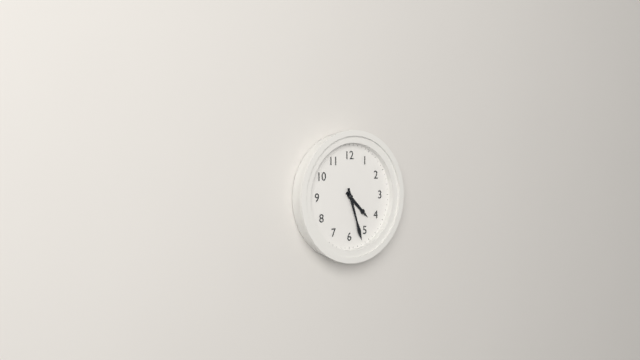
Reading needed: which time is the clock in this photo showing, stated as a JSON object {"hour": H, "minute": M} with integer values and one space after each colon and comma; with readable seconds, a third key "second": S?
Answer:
{"hour": 4, "minute": 27}
